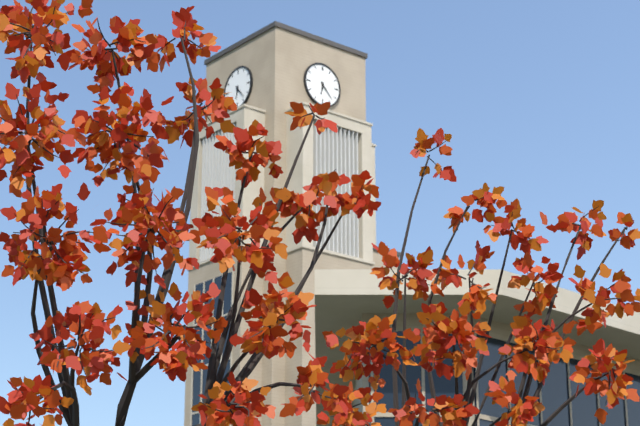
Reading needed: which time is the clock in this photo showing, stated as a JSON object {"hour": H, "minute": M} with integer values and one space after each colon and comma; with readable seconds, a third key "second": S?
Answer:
{"hour": 6, "minute": 23}
